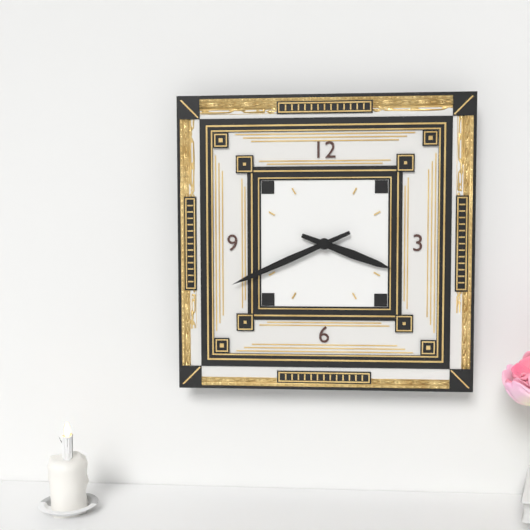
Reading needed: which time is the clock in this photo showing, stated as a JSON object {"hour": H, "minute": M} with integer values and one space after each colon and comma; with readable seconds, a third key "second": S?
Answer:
{"hour": 3, "minute": 41}
